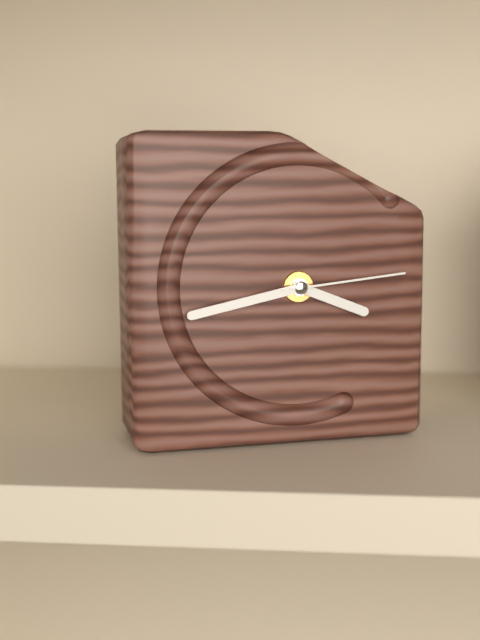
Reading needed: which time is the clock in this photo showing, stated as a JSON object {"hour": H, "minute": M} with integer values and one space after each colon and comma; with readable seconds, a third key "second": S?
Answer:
{"hour": 3, "minute": 43, "second": 14}
